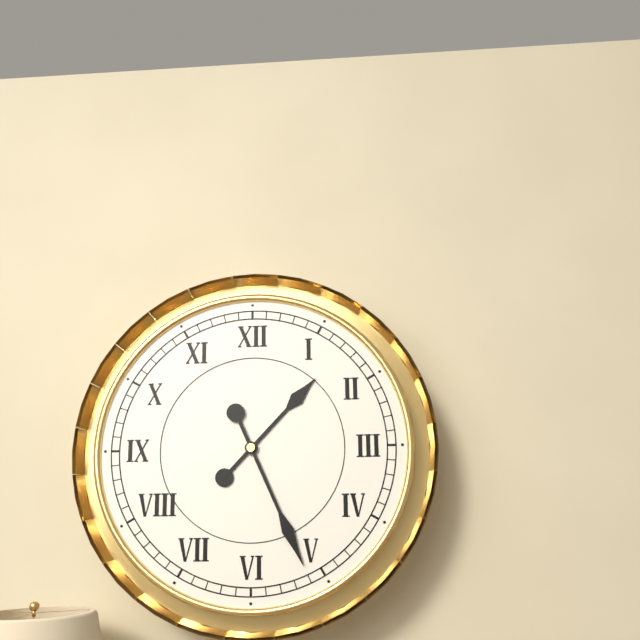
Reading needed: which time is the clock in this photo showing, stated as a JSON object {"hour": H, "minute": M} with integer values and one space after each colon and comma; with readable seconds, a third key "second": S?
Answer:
{"hour": 1, "minute": 26}
